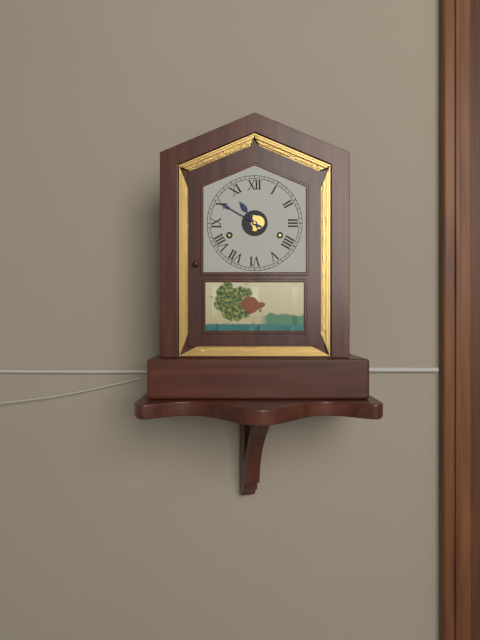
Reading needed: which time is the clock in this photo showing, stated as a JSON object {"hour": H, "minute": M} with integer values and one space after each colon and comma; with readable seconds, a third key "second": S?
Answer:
{"hour": 10, "minute": 50}
